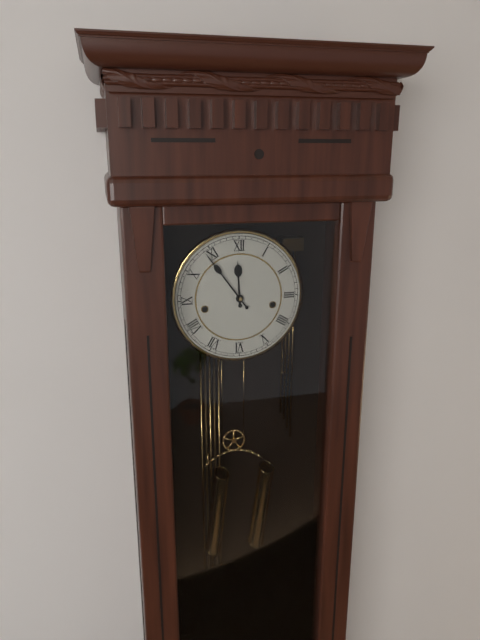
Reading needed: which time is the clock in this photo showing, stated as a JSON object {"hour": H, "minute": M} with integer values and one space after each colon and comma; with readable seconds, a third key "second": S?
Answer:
{"hour": 11, "minute": 54}
